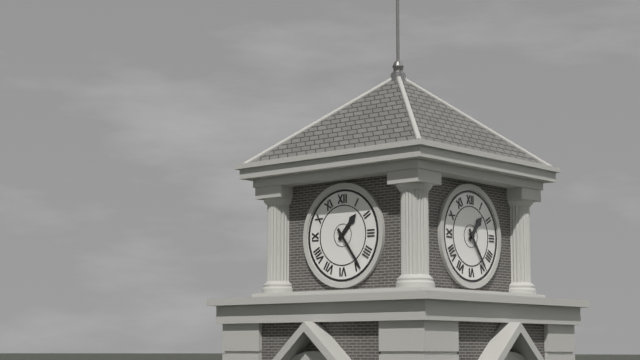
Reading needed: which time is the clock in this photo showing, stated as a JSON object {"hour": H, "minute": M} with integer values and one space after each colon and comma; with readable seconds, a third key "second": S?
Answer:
{"hour": 1, "minute": 24}
